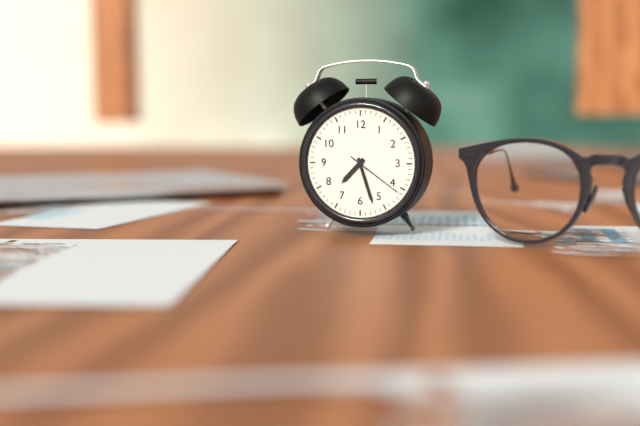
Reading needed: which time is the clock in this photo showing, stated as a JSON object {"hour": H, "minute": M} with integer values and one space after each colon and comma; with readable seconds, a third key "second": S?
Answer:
{"hour": 7, "minute": 27, "second": 21}
